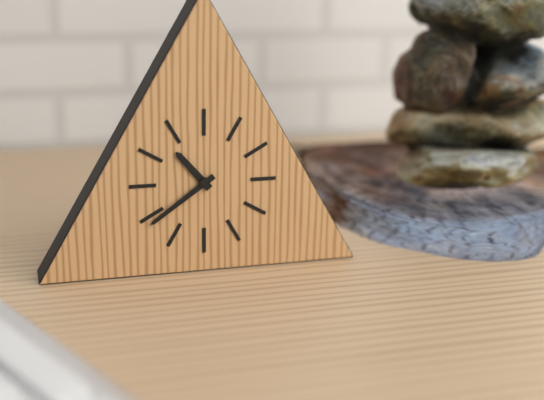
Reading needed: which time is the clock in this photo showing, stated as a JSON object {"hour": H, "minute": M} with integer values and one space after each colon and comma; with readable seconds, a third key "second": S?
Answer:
{"hour": 10, "minute": 39}
